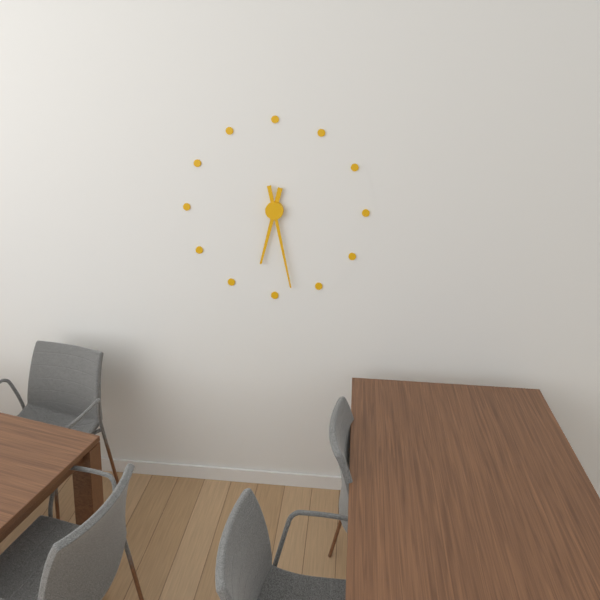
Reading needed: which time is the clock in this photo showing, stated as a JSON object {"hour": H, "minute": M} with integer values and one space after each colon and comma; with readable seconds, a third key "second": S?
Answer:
{"hour": 6, "minute": 28}
